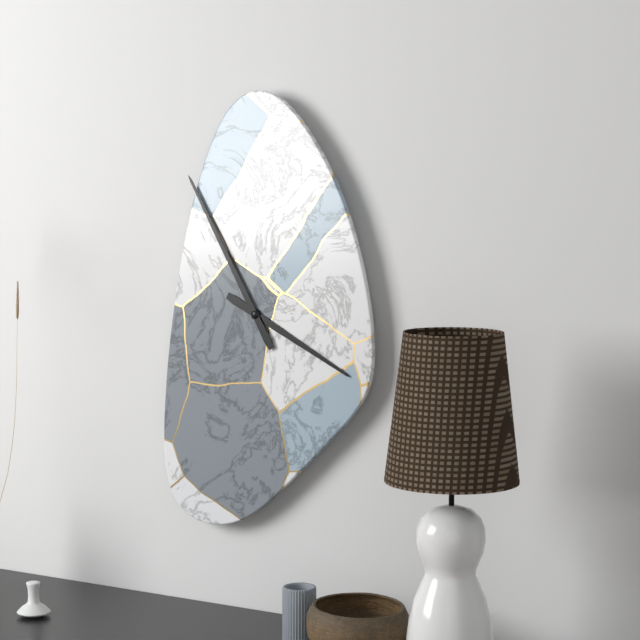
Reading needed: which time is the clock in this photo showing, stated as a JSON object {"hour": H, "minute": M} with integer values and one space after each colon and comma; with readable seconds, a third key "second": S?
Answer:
{"hour": 3, "minute": 55}
